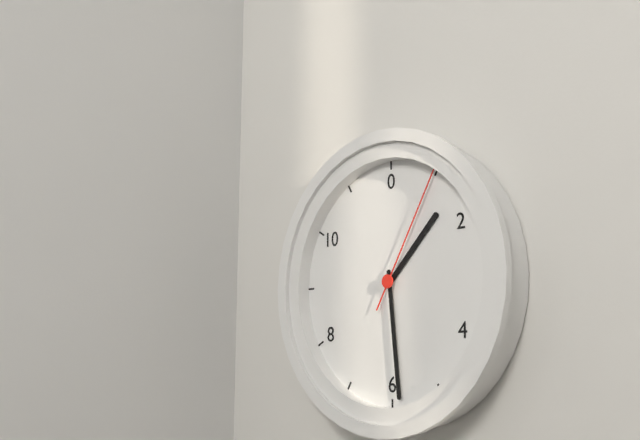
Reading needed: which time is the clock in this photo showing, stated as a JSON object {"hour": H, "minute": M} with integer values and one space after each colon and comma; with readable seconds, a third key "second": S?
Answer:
{"hour": 1, "minute": 29, "second": 5}
